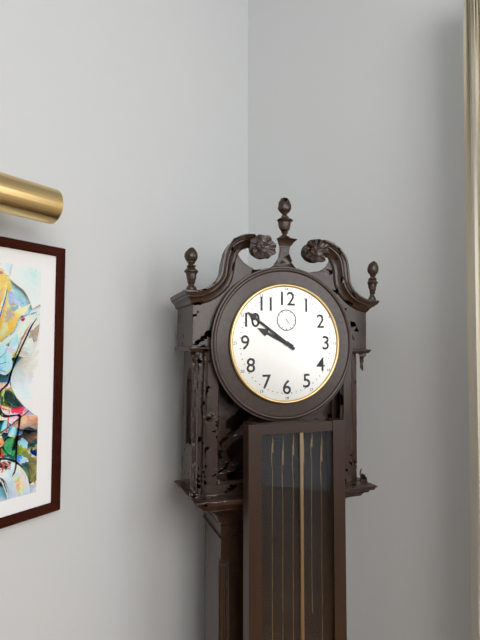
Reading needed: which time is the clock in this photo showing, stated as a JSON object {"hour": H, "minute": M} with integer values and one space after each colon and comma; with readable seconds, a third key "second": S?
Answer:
{"hour": 9, "minute": 51}
